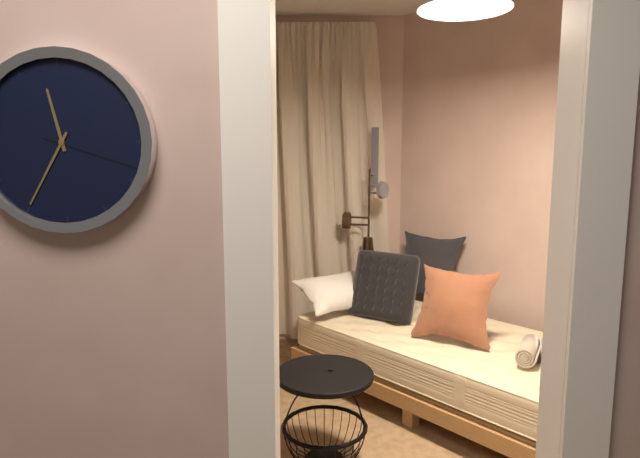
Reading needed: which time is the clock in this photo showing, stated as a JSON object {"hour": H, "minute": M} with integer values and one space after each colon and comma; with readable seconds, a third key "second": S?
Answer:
{"hour": 11, "minute": 35, "second": 18}
